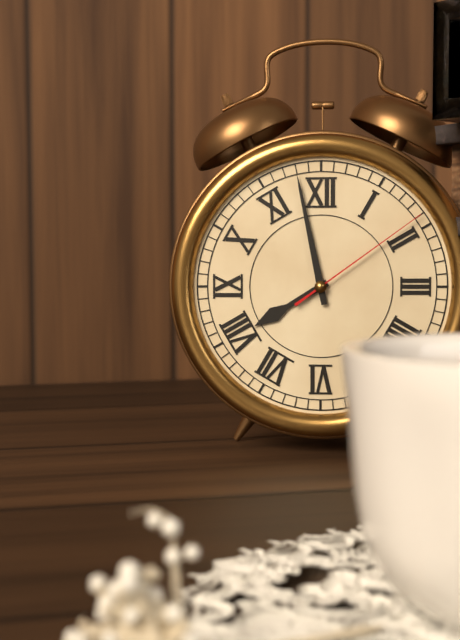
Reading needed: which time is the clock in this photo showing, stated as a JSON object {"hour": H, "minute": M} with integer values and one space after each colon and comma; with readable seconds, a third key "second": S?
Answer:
{"hour": 7, "minute": 58, "second": 9}
